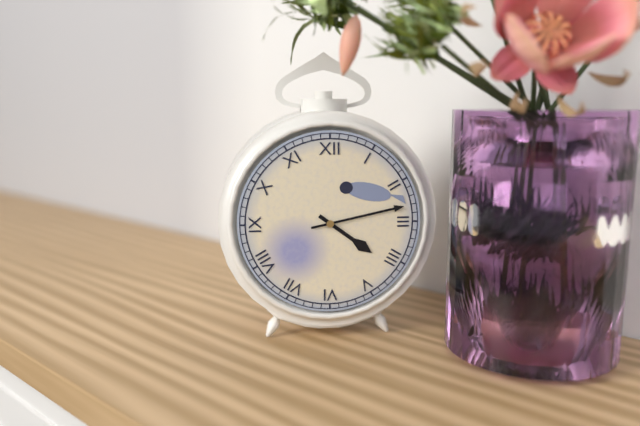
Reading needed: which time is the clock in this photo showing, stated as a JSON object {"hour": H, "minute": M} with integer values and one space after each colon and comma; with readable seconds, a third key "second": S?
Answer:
{"hour": 4, "minute": 13}
